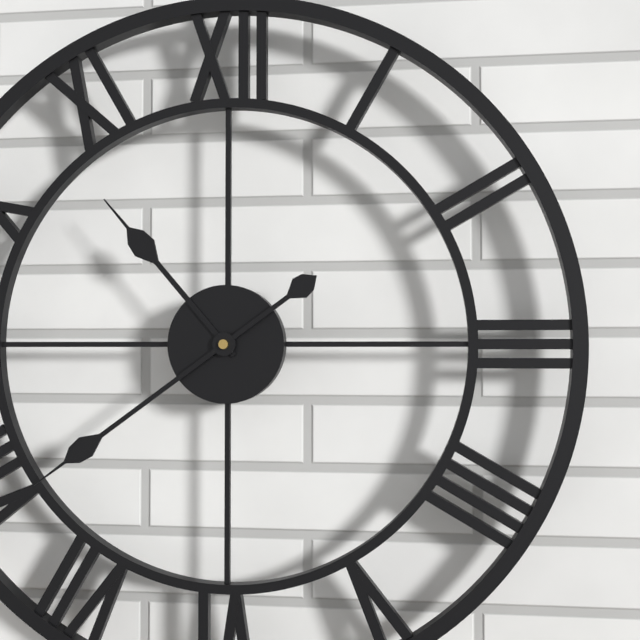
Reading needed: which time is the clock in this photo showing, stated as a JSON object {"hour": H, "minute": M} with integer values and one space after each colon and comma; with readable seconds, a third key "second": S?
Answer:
{"hour": 10, "minute": 39}
